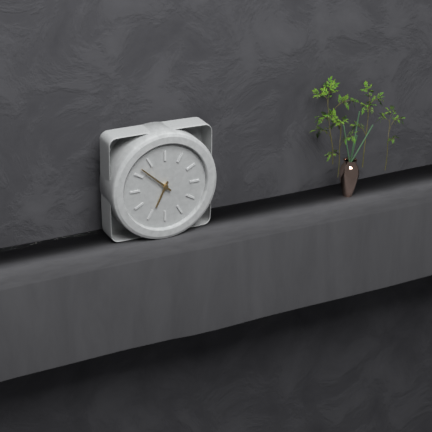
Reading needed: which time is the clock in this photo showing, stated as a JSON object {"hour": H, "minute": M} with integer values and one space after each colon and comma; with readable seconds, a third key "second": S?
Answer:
{"hour": 6, "minute": 52}
